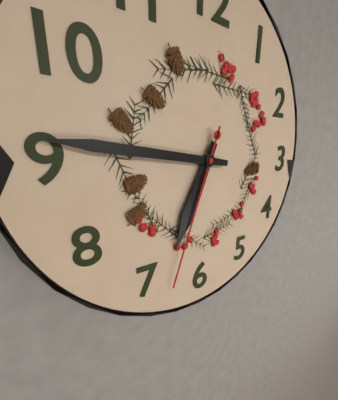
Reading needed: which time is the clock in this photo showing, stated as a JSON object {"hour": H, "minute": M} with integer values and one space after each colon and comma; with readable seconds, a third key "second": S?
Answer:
{"hour": 6, "minute": 46, "second": 33}
